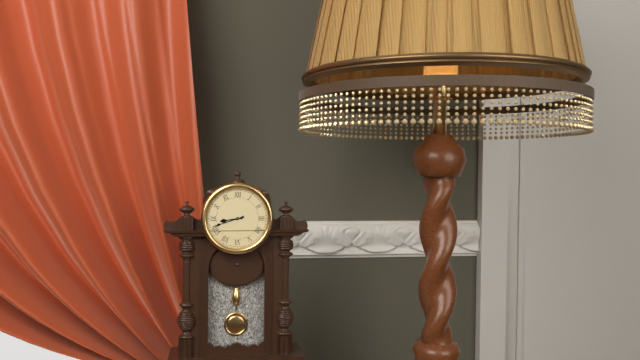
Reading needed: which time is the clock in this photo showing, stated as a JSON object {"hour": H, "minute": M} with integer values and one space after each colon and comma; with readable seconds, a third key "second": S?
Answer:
{"hour": 8, "minute": 42}
